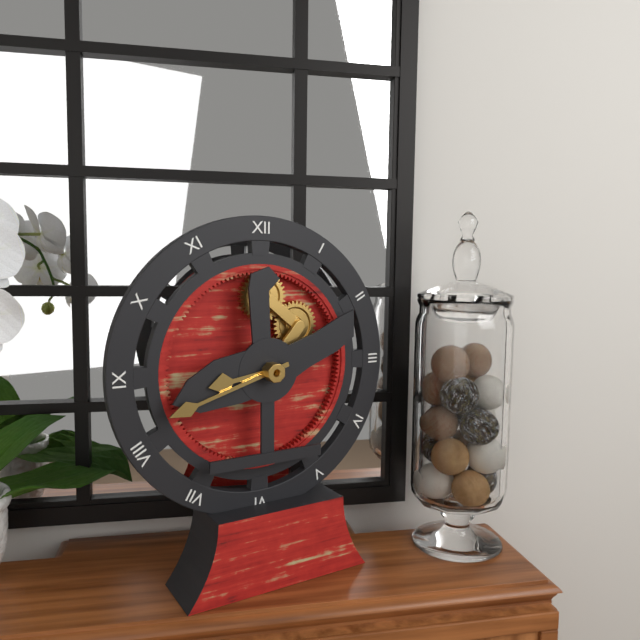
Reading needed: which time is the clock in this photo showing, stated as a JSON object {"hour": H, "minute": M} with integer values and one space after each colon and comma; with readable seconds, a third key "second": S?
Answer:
{"hour": 8, "minute": 42}
